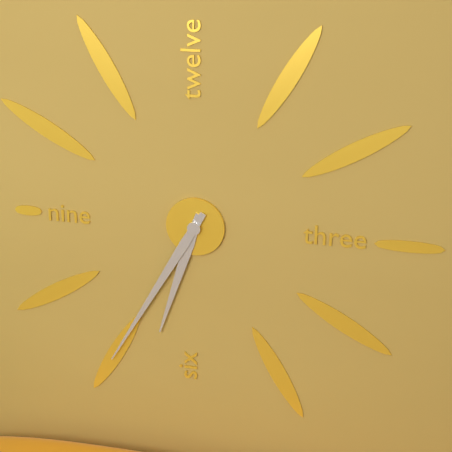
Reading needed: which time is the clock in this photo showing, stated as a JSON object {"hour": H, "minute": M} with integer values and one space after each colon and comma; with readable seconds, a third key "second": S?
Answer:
{"hour": 6, "minute": 35}
